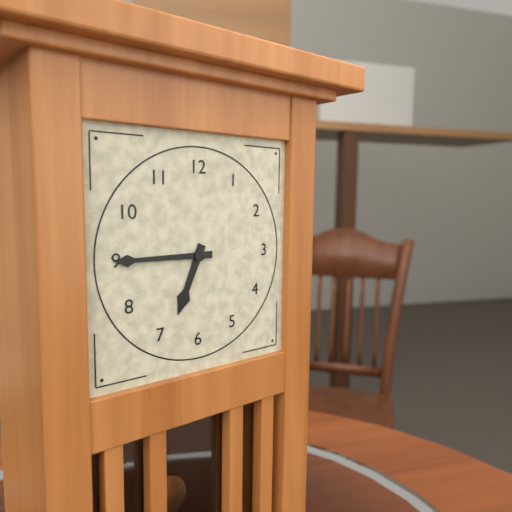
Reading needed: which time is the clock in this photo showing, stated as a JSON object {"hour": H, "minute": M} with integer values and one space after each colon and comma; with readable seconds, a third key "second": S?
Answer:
{"hour": 6, "minute": 45}
